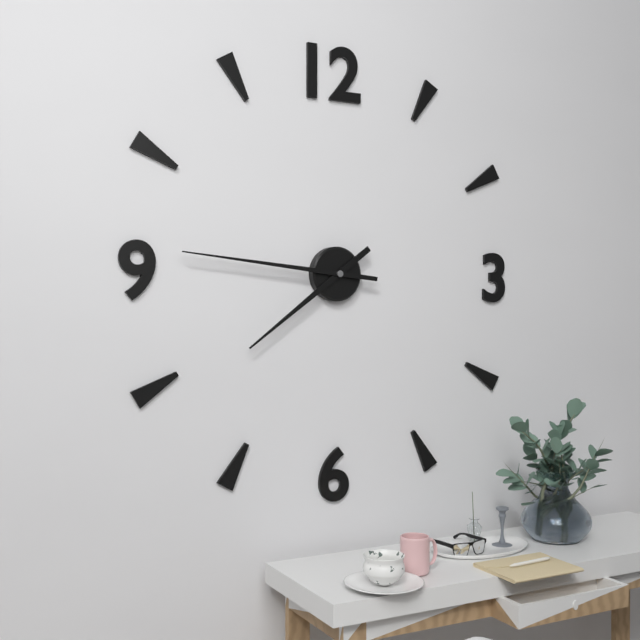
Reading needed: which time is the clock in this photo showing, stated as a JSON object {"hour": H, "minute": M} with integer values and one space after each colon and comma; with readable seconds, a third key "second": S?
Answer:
{"hour": 7, "minute": 46}
